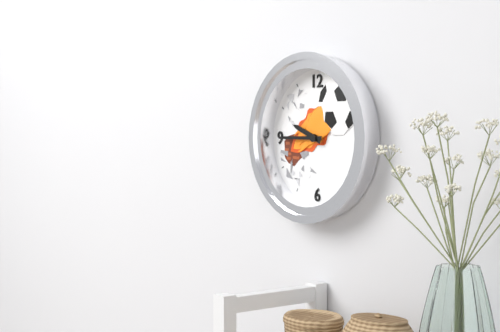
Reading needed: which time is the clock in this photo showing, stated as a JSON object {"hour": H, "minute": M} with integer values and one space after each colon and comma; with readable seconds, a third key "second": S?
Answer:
{"hour": 9, "minute": 45}
